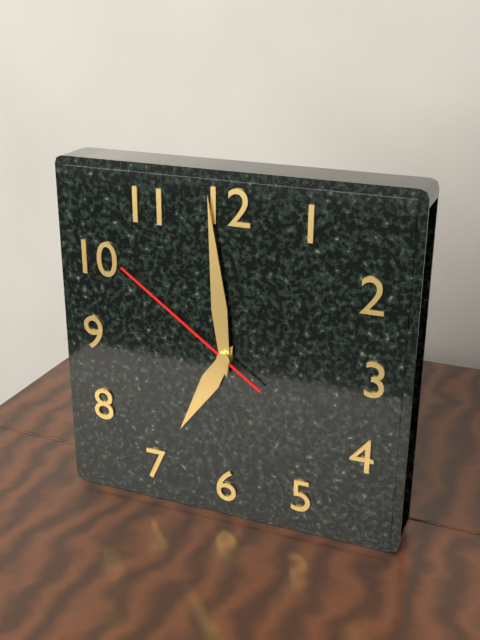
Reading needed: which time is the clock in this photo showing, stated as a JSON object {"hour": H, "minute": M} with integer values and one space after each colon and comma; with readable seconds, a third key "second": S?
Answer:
{"hour": 6, "minute": 59, "second": 51}
